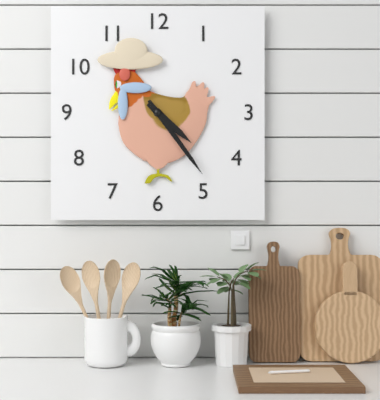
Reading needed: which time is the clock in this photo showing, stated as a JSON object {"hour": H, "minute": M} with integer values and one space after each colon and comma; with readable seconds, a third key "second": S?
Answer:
{"hour": 4, "minute": 24}
